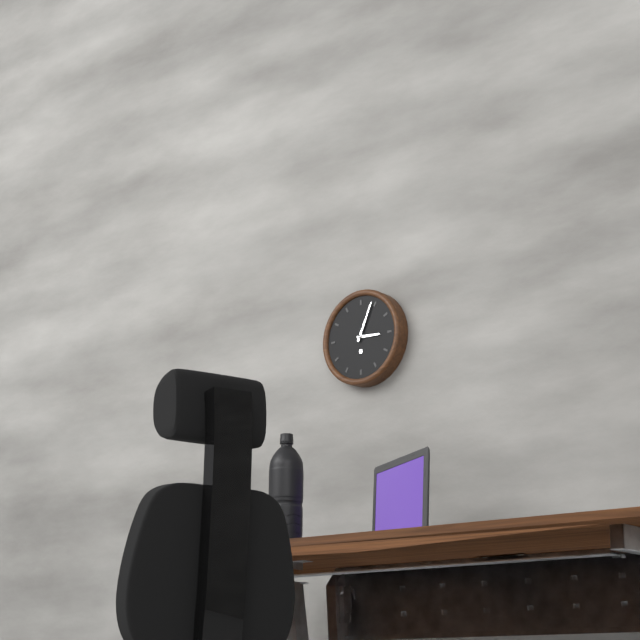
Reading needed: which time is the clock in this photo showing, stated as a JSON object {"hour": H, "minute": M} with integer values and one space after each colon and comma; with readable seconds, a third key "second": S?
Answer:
{"hour": 3, "minute": 4}
